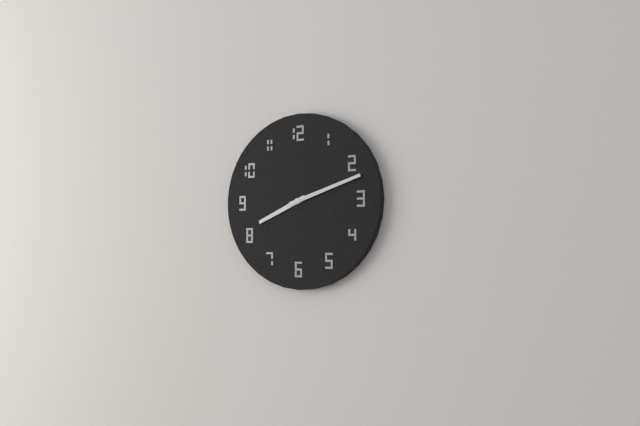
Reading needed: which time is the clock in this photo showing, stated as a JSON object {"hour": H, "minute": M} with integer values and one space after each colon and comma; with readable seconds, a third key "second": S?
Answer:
{"hour": 8, "minute": 12}
